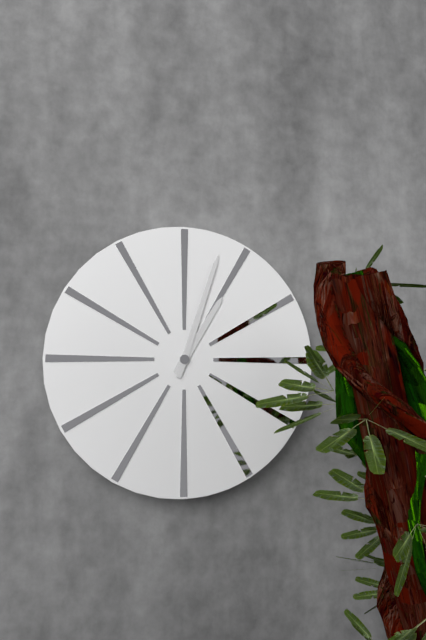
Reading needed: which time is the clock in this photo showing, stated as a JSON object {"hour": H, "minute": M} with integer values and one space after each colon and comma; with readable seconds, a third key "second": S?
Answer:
{"hour": 1, "minute": 3}
